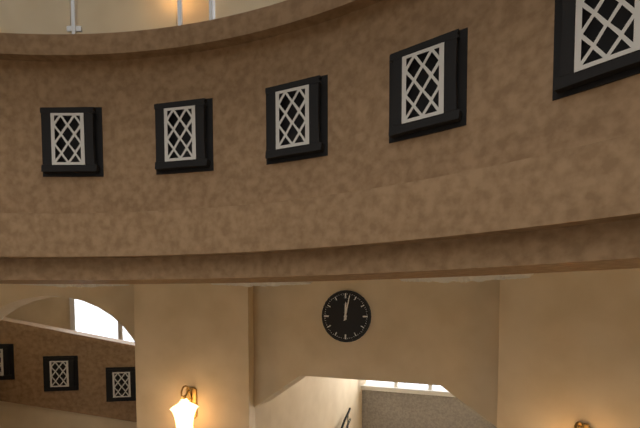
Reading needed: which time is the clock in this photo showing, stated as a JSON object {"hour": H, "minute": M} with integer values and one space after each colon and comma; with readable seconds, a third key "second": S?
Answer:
{"hour": 12, "minute": 2}
